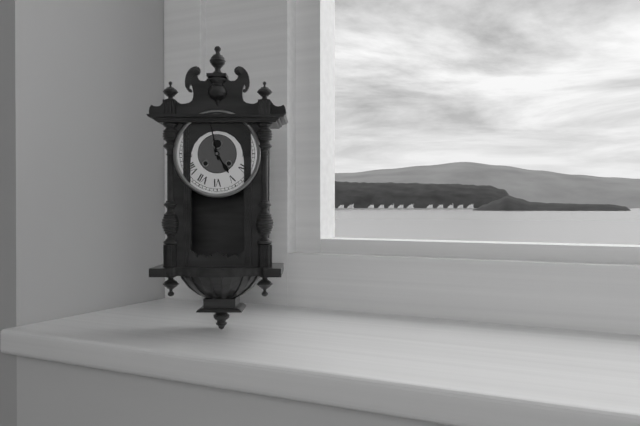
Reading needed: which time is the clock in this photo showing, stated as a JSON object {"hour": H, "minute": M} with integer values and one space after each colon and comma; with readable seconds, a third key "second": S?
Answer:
{"hour": 4, "minute": 58}
